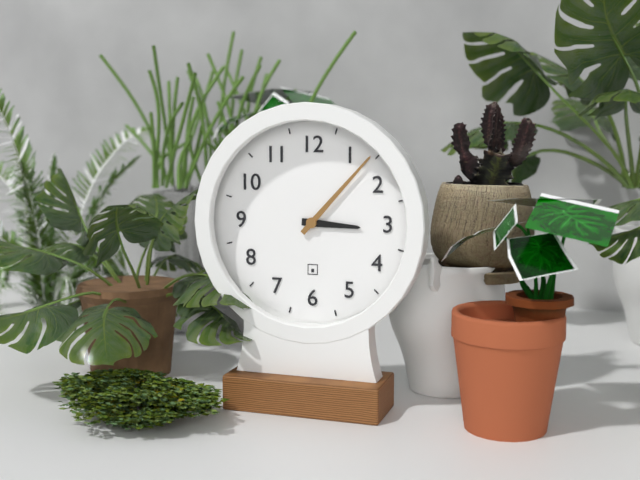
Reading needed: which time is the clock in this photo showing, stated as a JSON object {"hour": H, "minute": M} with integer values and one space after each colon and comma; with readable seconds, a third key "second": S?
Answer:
{"hour": 3, "minute": 7}
